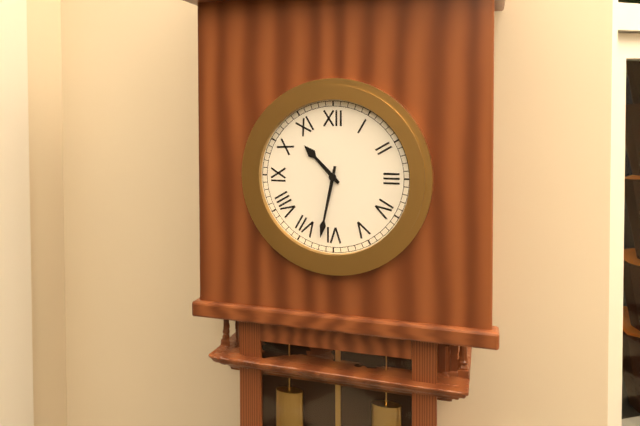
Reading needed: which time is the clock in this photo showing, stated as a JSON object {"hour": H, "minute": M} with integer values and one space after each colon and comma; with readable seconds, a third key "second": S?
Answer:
{"hour": 10, "minute": 32}
